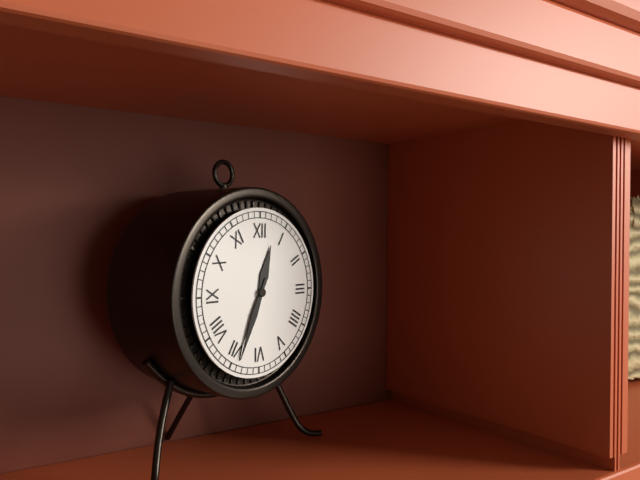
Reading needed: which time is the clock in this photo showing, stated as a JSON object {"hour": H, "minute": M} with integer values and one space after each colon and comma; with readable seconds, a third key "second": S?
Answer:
{"hour": 12, "minute": 34}
